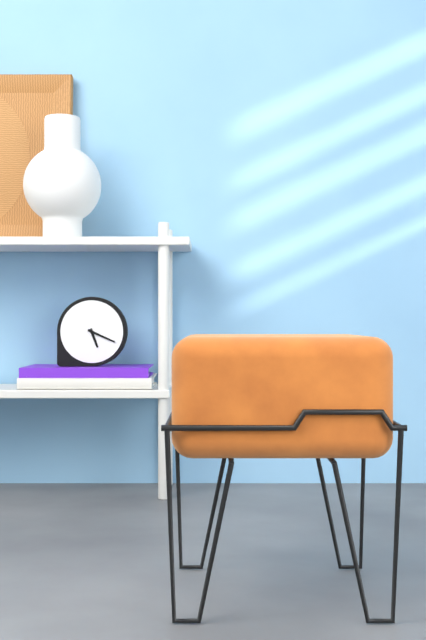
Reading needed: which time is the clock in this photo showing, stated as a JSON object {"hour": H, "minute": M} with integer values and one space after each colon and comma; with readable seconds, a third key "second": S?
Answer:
{"hour": 5, "minute": 19}
